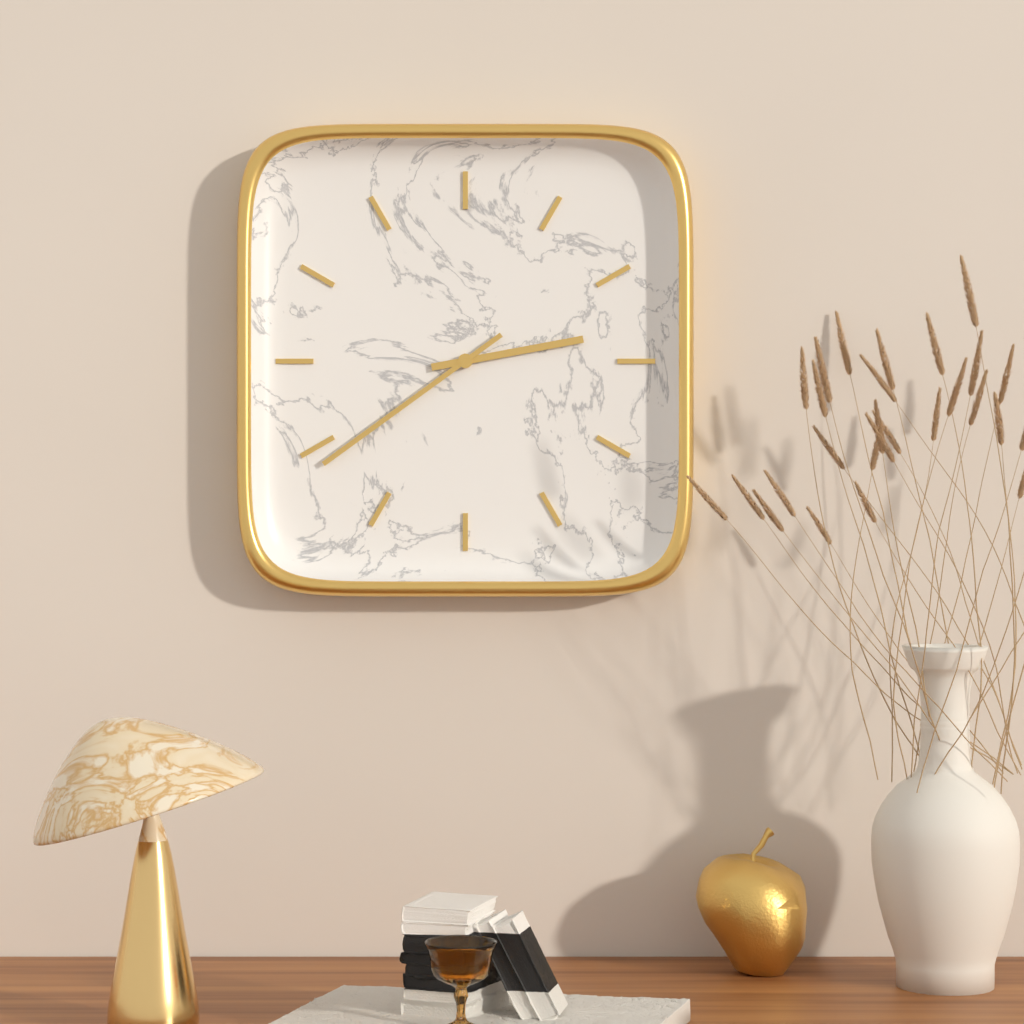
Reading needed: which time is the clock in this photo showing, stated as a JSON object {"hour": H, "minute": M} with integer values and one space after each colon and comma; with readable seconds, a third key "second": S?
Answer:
{"hour": 2, "minute": 39}
